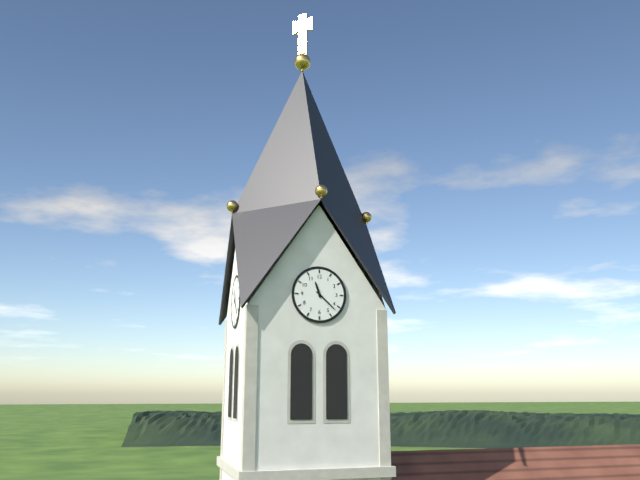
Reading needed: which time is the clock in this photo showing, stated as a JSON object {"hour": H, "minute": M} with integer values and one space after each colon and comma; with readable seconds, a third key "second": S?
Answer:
{"hour": 11, "minute": 22}
